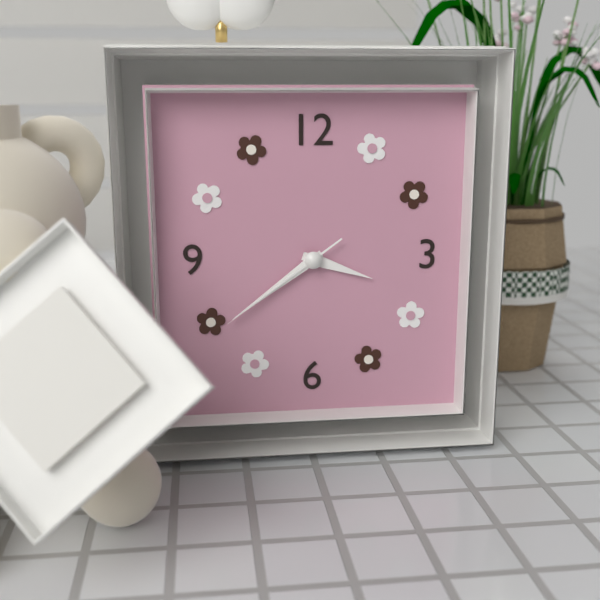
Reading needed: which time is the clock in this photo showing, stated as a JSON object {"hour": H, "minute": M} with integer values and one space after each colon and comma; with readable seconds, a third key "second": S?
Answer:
{"hour": 3, "minute": 39, "second": 39}
